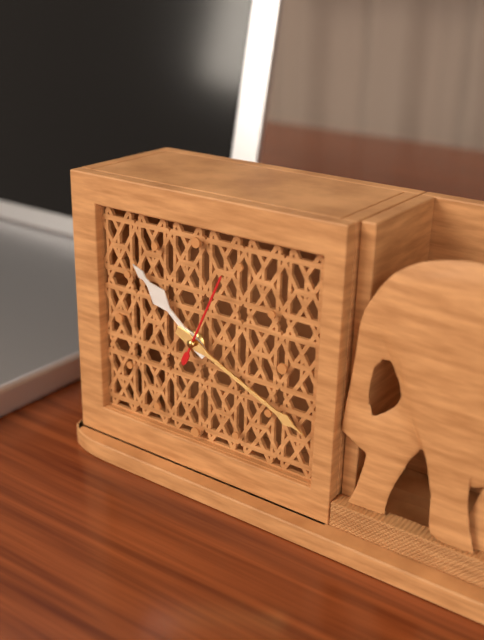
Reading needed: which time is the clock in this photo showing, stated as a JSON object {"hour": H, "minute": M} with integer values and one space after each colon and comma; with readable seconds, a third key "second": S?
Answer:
{"hour": 10, "minute": 19, "second": 4}
